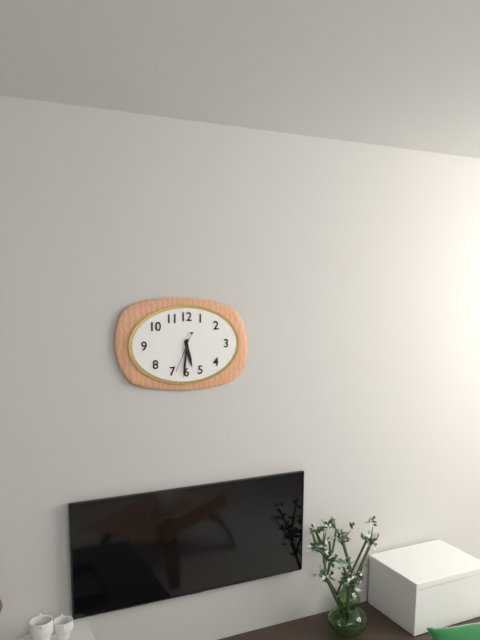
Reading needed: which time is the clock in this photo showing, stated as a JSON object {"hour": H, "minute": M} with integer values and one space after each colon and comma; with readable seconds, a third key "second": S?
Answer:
{"hour": 5, "minute": 31}
